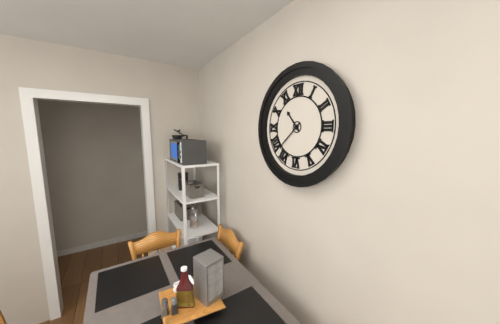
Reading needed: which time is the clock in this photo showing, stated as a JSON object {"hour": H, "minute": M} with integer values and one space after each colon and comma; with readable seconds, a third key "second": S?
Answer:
{"hour": 10, "minute": 38}
